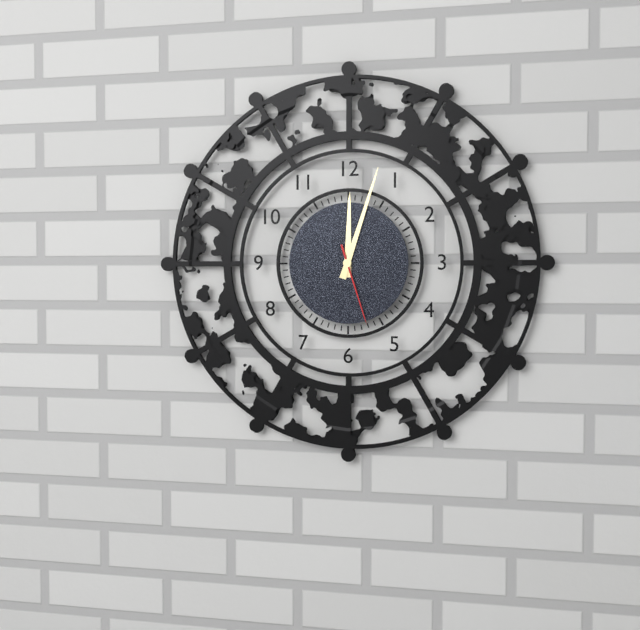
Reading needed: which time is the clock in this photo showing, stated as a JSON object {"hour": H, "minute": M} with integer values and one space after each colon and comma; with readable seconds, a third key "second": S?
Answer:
{"hour": 12, "minute": 3, "second": 27}
